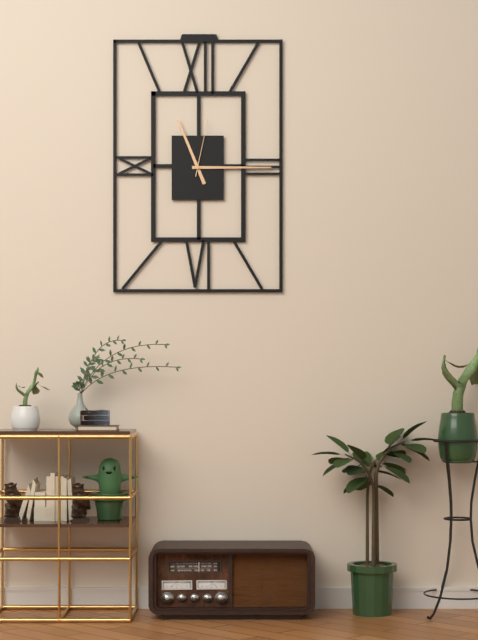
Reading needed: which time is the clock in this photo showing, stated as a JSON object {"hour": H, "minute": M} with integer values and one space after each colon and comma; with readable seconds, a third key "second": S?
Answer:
{"hour": 11, "minute": 15, "second": 2}
